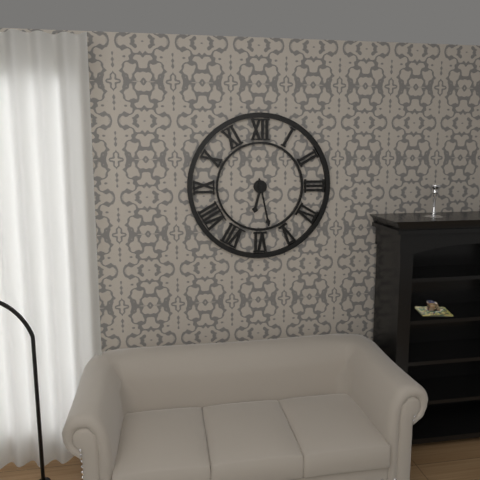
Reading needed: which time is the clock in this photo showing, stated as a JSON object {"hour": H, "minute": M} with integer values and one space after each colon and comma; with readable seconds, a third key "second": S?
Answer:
{"hour": 6, "minute": 28}
